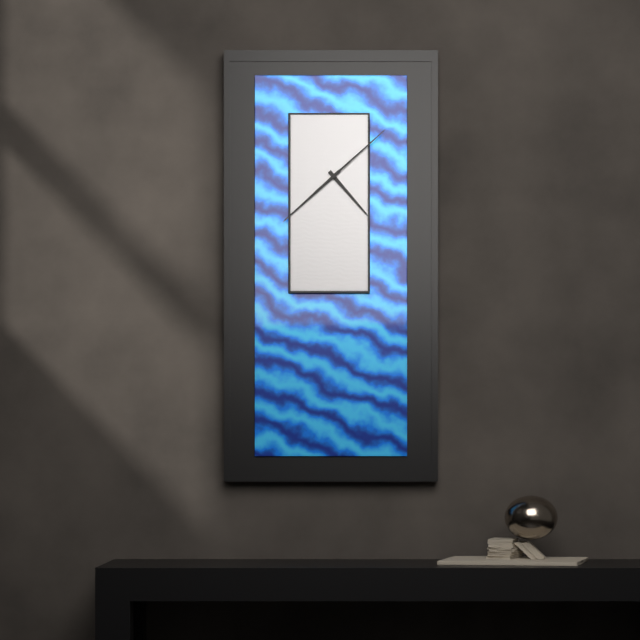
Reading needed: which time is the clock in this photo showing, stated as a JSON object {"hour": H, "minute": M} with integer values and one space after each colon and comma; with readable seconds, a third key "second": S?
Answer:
{"hour": 4, "minute": 38, "second": 8}
